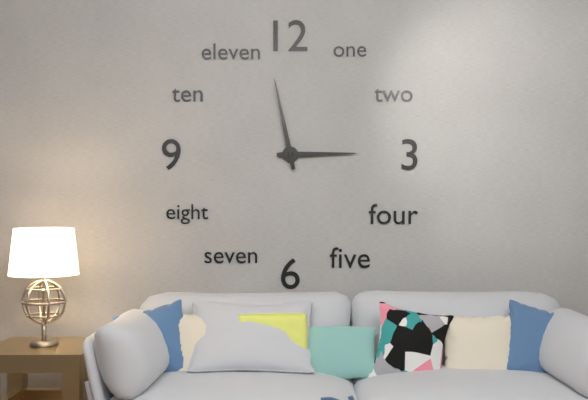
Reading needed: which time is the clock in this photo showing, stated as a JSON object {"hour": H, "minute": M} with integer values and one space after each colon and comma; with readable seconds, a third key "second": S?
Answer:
{"hour": 2, "minute": 58}
